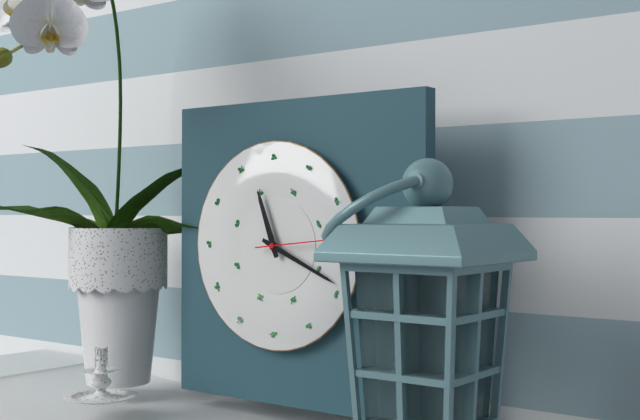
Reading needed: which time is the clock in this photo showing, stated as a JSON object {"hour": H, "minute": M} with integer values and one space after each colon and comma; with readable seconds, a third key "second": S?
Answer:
{"hour": 11, "minute": 19, "second": 14}
